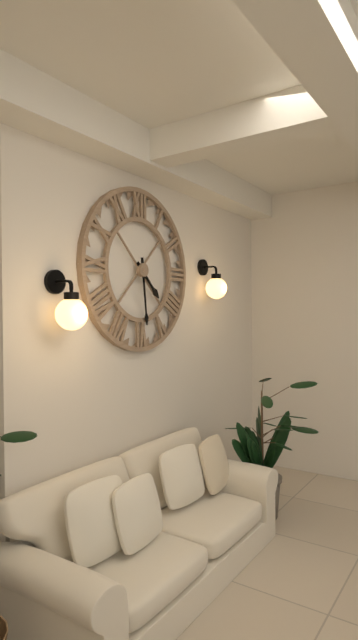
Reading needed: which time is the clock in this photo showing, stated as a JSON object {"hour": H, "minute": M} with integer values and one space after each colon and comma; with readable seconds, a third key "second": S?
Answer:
{"hour": 4, "minute": 29}
